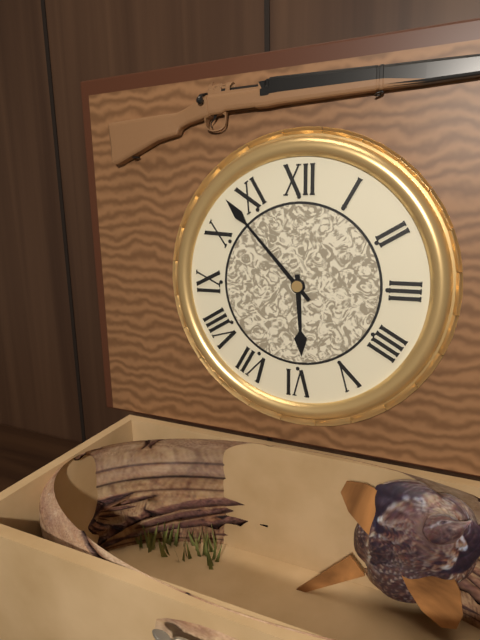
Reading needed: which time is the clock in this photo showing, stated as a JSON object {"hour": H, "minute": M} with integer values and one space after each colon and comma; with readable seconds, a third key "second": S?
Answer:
{"hour": 5, "minute": 53}
